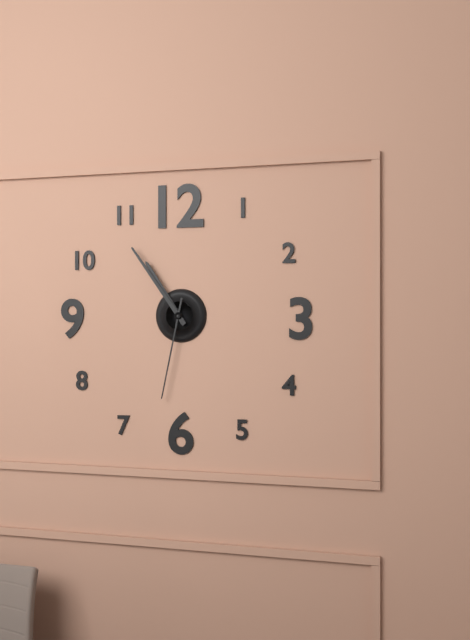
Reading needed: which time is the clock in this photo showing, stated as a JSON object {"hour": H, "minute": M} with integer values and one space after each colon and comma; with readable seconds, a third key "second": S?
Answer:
{"hour": 10, "minute": 54, "second": 32}
